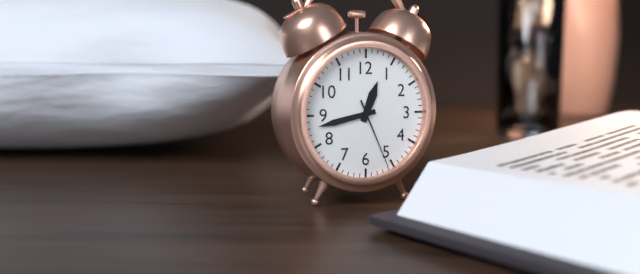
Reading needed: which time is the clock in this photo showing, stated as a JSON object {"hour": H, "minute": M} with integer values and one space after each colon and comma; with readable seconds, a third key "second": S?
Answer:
{"hour": 12, "minute": 43, "second": 26}
